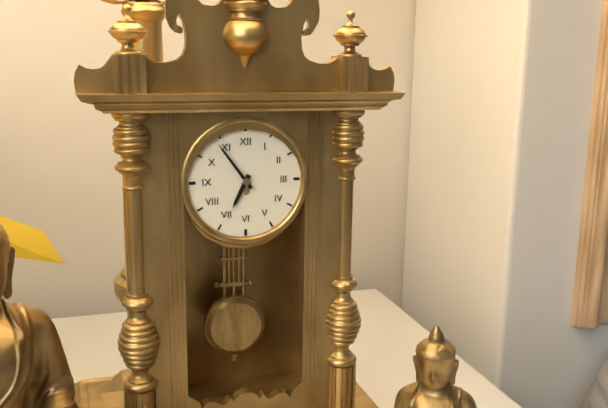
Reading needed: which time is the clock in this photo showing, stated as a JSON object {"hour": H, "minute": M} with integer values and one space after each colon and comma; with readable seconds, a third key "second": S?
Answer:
{"hour": 6, "minute": 54}
